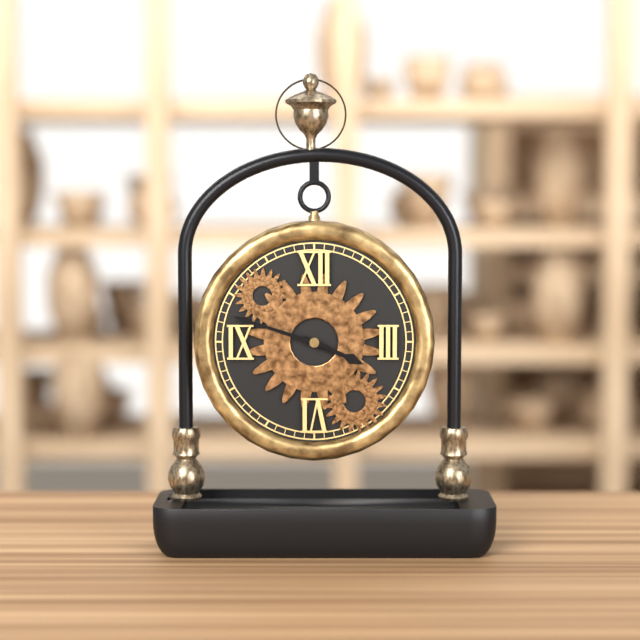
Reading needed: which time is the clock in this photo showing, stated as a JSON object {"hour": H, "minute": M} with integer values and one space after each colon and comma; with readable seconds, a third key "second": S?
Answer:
{"hour": 3, "minute": 48}
